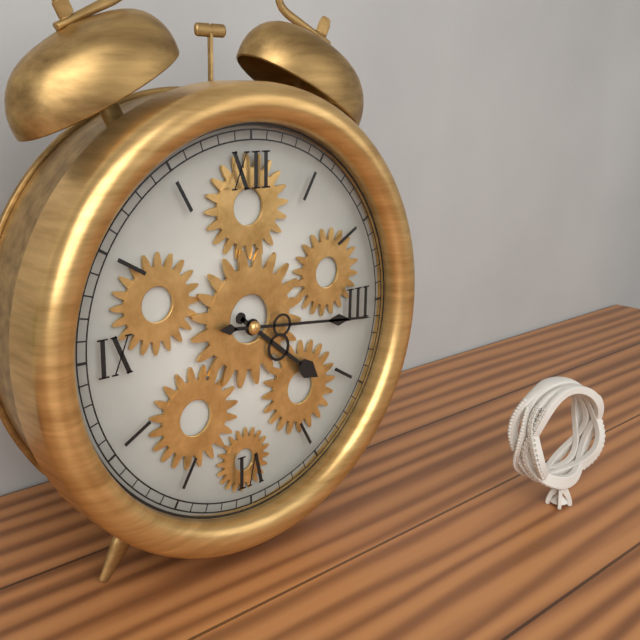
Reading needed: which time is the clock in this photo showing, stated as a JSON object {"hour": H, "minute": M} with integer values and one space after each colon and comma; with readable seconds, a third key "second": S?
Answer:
{"hour": 4, "minute": 16}
